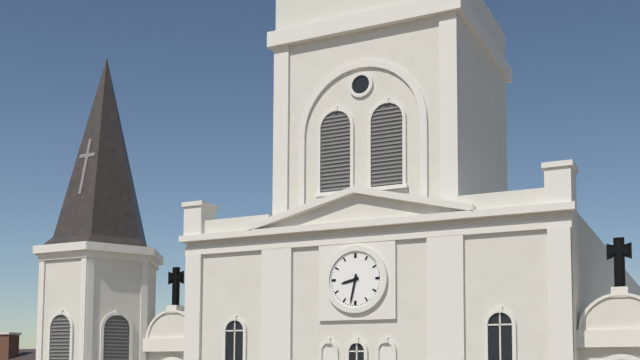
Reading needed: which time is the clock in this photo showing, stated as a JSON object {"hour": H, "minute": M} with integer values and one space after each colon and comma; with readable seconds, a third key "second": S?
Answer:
{"hour": 8, "minute": 32}
